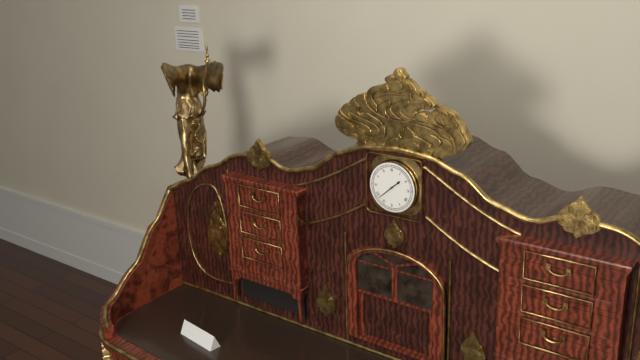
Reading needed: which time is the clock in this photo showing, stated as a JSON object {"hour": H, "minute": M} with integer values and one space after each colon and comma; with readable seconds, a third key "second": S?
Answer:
{"hour": 1, "minute": 38}
